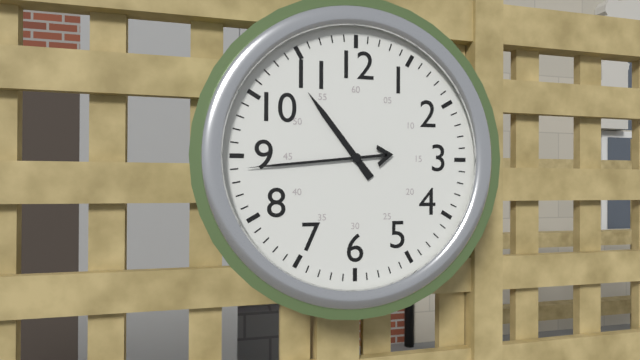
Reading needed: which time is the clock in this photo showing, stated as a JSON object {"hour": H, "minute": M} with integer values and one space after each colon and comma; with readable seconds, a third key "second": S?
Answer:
{"hour": 10, "minute": 44}
